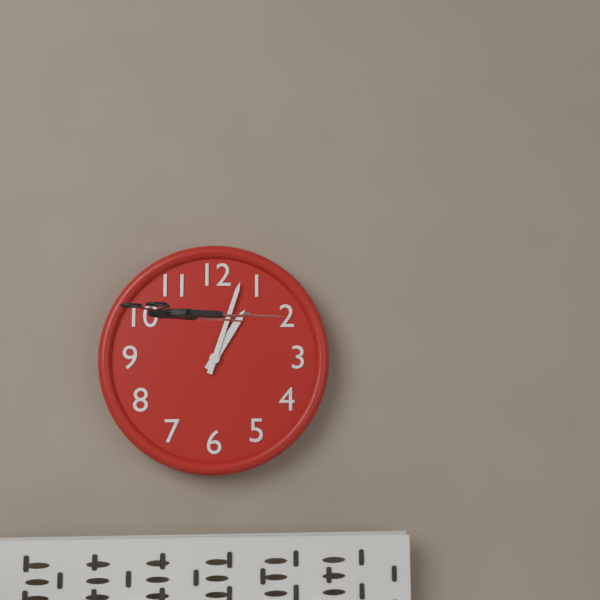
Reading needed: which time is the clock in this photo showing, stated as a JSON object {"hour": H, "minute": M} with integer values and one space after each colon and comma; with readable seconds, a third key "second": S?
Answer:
{"hour": 1, "minute": 3}
